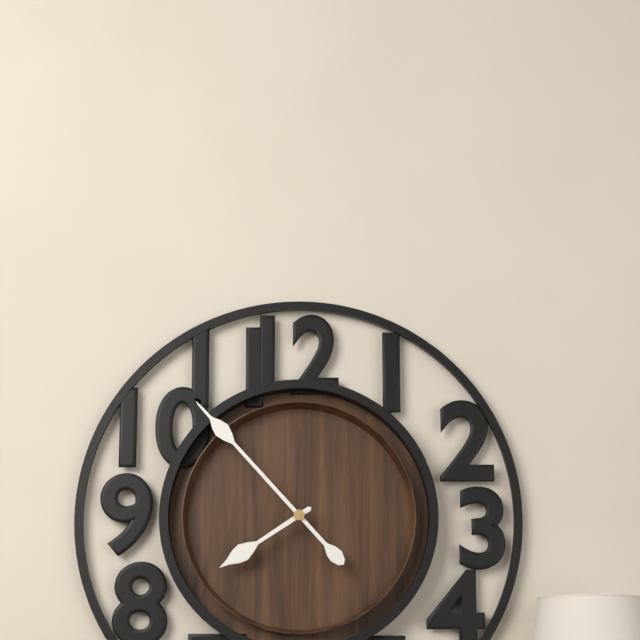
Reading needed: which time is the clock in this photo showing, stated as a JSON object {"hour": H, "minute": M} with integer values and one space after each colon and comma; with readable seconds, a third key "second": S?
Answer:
{"hour": 7, "minute": 53}
